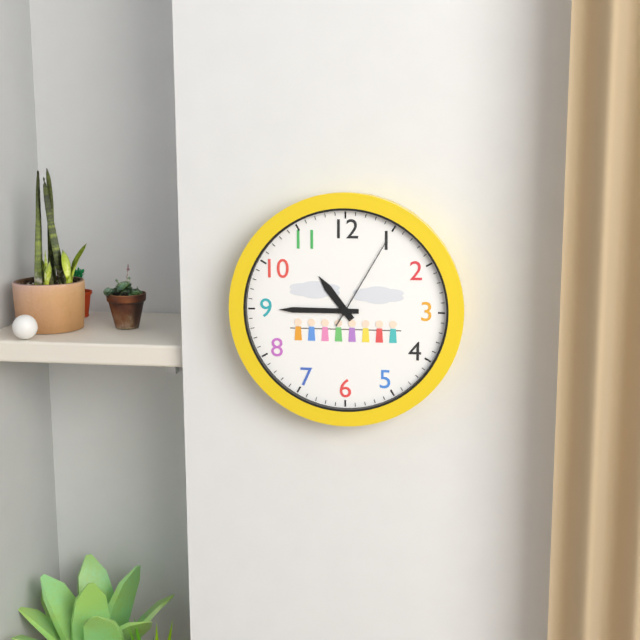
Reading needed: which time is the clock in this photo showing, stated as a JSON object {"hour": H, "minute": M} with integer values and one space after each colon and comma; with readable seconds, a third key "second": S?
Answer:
{"hour": 10, "minute": 45, "second": 5}
